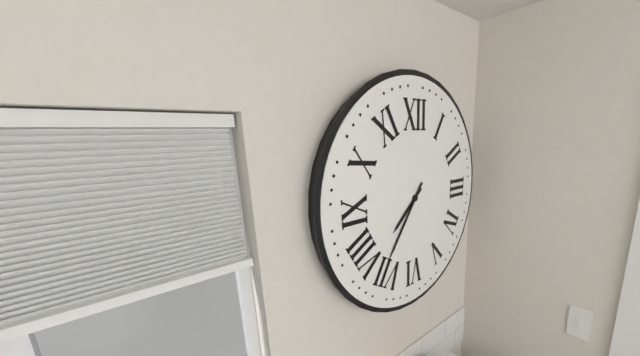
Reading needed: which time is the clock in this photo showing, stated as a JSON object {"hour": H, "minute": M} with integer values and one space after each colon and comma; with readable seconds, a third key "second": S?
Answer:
{"hour": 7, "minute": 36}
